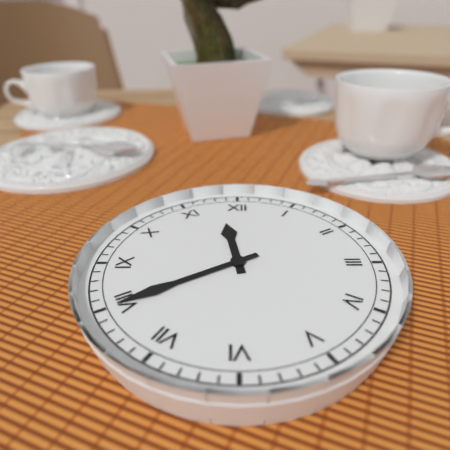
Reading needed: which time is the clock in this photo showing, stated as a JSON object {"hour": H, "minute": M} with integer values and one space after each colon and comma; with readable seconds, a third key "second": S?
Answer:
{"hour": 11, "minute": 40}
